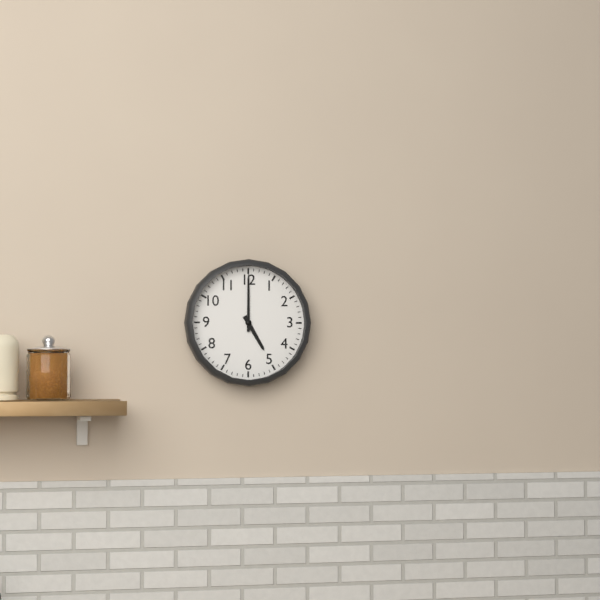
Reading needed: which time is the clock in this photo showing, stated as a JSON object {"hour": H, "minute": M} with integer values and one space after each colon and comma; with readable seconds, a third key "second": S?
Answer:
{"hour": 5, "minute": 0}
